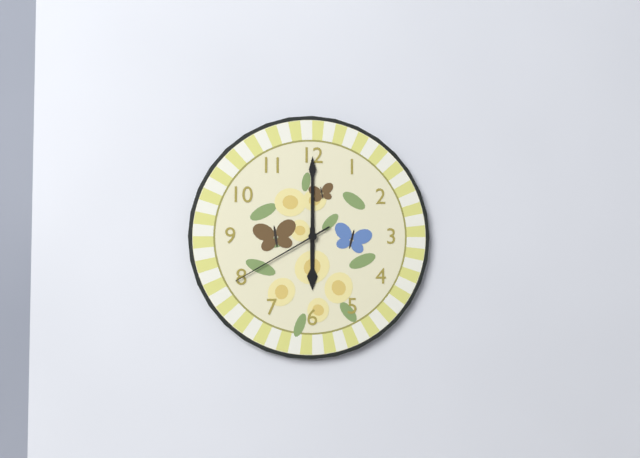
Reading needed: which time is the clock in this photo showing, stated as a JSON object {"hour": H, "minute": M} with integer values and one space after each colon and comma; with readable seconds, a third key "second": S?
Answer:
{"hour": 6, "minute": 0, "second": 40}
